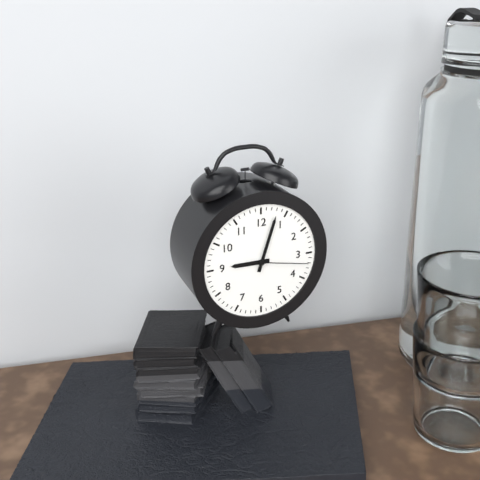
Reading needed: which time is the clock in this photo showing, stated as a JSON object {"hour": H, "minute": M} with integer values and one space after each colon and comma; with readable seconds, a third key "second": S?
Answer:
{"hour": 9, "minute": 3, "second": 17}
